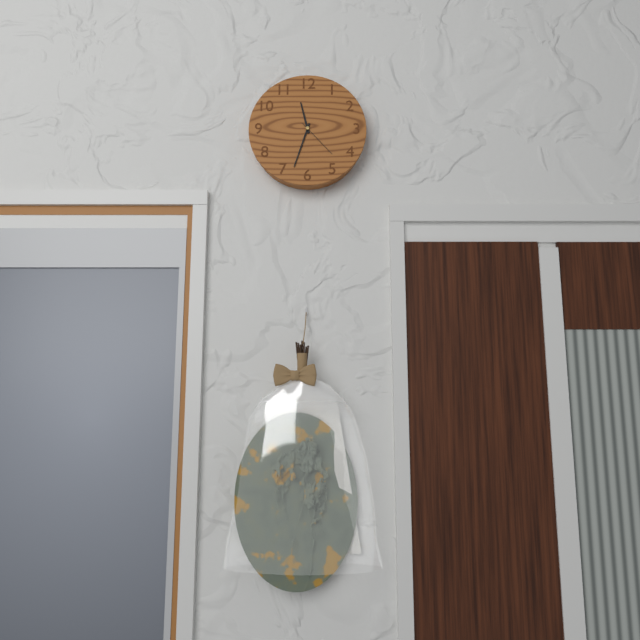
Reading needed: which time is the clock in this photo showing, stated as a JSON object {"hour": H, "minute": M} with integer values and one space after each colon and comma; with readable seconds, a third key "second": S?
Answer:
{"hour": 11, "minute": 33}
